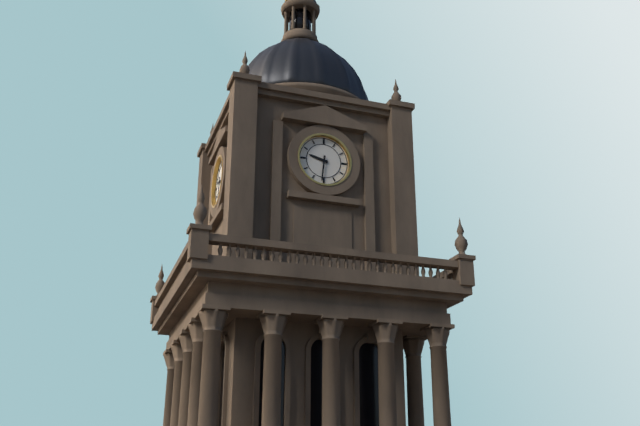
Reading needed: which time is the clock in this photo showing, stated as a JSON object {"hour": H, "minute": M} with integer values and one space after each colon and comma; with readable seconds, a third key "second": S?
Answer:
{"hour": 9, "minute": 31}
